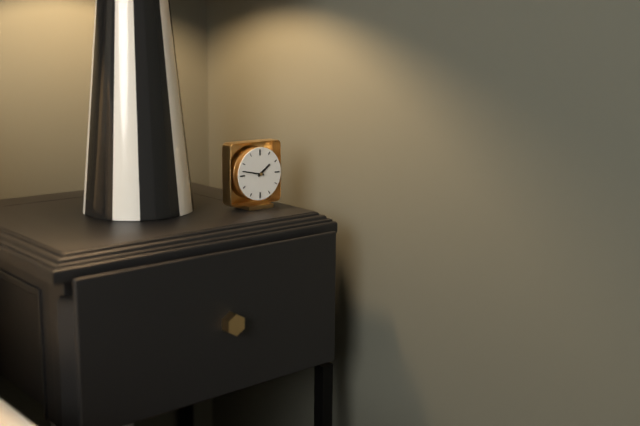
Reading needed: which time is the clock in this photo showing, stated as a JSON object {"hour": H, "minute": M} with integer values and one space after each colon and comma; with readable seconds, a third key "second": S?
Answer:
{"hour": 1, "minute": 47}
